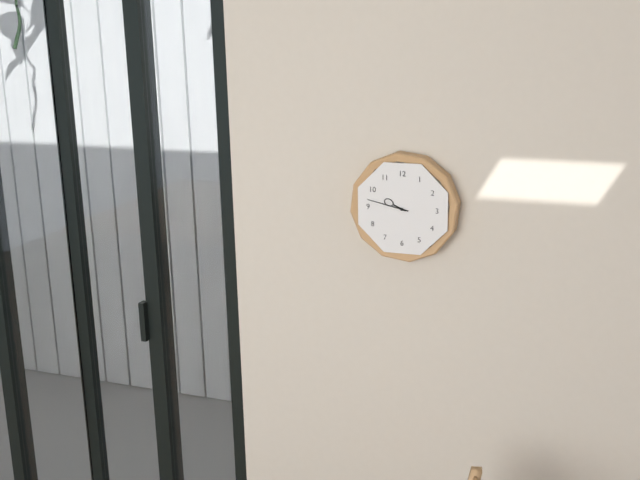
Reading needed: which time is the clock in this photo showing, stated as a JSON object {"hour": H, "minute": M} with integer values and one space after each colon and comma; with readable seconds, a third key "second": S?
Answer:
{"hour": 9, "minute": 47}
